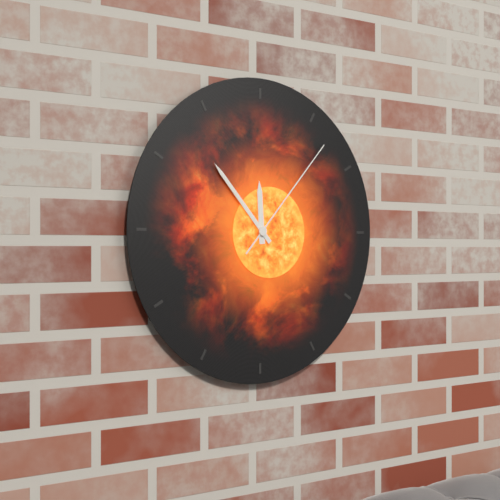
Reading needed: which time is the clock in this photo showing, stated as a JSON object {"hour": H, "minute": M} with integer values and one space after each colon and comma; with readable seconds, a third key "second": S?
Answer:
{"hour": 11, "minute": 53, "second": 7}
